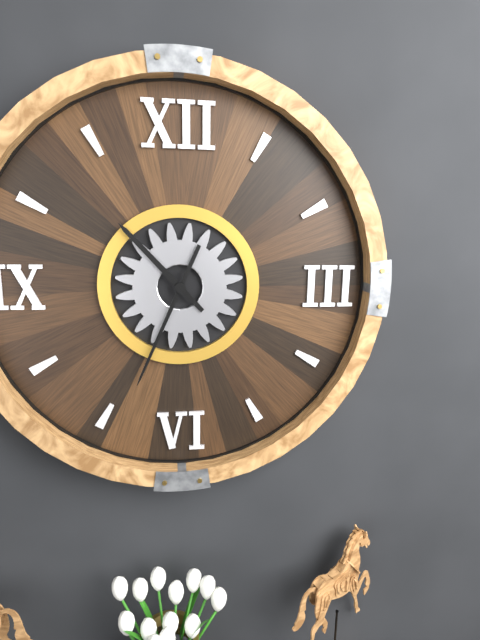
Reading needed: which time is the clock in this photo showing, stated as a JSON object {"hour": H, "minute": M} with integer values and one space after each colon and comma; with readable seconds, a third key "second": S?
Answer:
{"hour": 10, "minute": 34}
